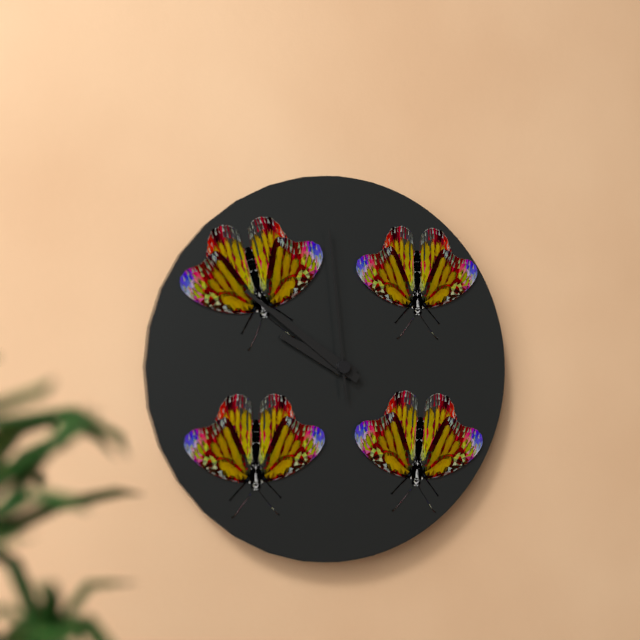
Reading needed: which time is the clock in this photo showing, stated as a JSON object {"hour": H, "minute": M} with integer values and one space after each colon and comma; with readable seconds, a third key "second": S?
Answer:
{"hour": 9, "minute": 51, "second": 59}
